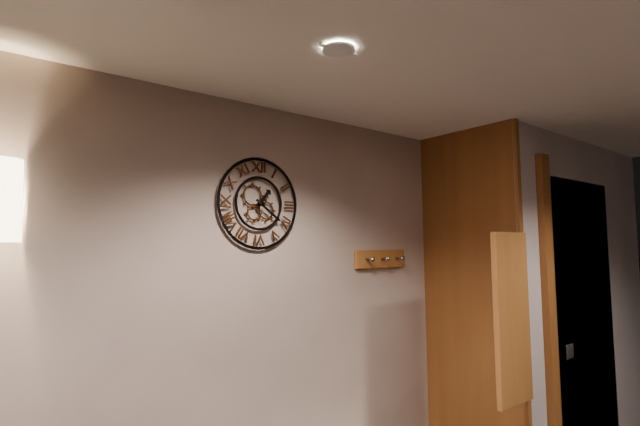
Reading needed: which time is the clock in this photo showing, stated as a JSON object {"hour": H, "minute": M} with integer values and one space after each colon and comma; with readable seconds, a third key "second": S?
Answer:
{"hour": 1, "minute": 21}
